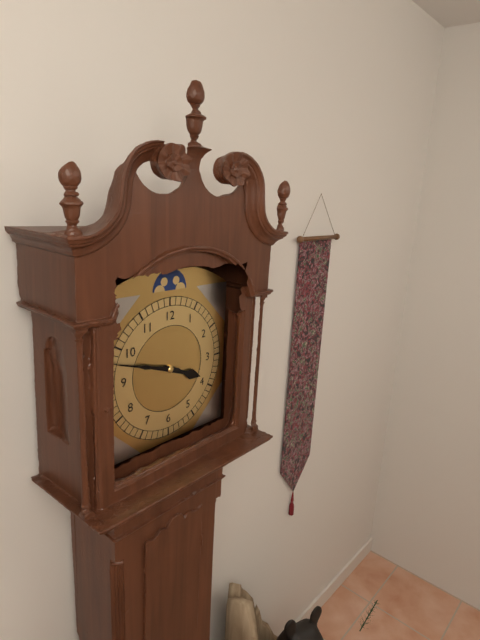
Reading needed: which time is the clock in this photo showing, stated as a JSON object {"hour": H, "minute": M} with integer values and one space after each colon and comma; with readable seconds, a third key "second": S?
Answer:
{"hour": 3, "minute": 48}
